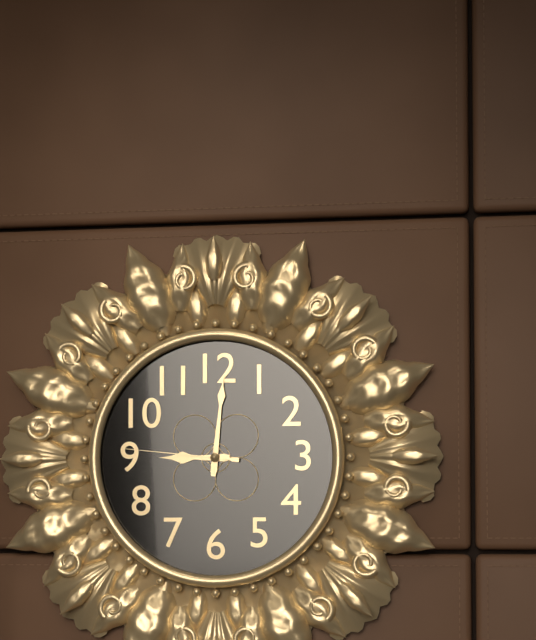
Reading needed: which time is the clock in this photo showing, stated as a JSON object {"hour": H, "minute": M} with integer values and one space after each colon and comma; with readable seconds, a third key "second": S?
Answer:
{"hour": 9, "minute": 1, "second": 46}
